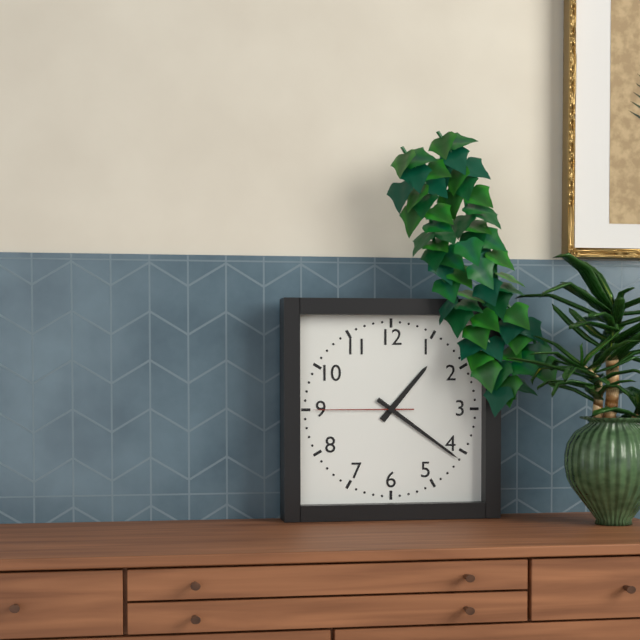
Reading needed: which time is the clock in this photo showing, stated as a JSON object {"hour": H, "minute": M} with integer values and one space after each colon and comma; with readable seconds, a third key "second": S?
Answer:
{"hour": 1, "minute": 21, "second": 45}
